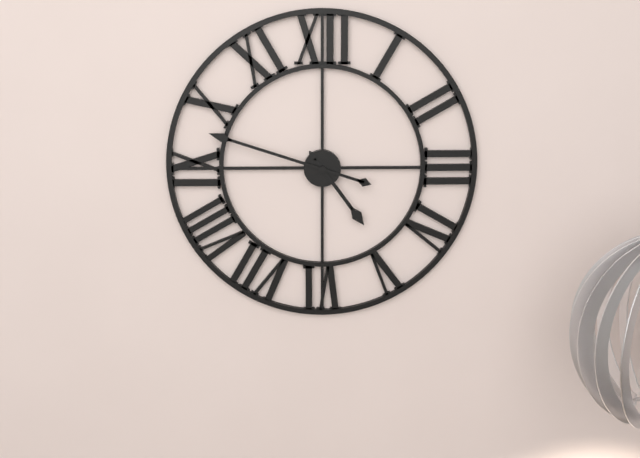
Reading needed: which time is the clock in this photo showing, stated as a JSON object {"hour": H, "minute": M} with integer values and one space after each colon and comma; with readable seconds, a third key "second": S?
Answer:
{"hour": 4, "minute": 48}
